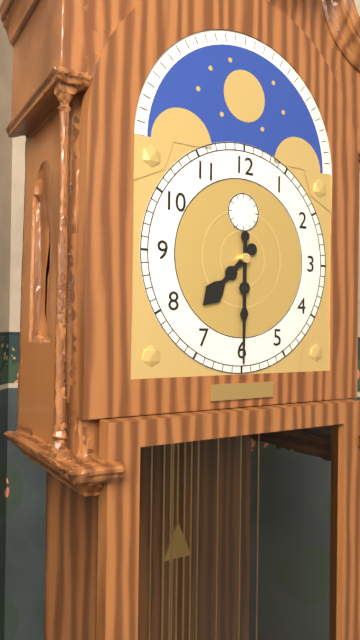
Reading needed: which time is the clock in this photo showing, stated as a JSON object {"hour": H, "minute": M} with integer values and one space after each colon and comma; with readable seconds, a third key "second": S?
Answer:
{"hour": 7, "minute": 30}
